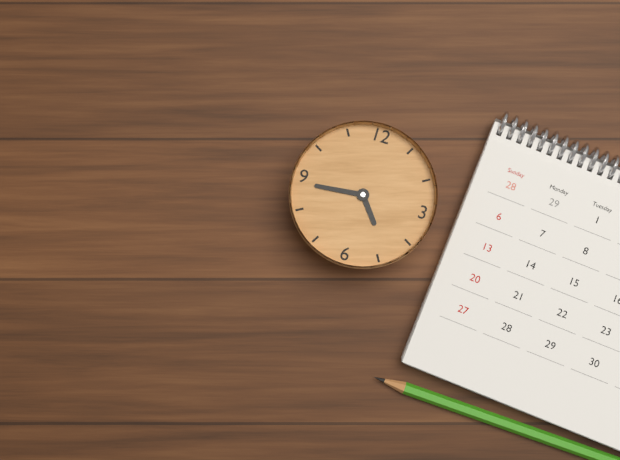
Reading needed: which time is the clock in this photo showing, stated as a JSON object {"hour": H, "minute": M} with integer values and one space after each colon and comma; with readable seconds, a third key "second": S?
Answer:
{"hour": 4, "minute": 44}
